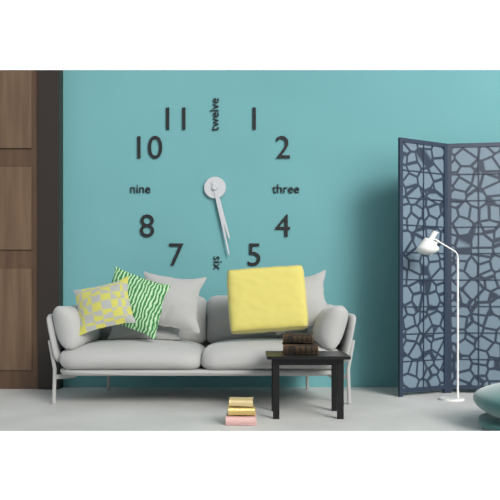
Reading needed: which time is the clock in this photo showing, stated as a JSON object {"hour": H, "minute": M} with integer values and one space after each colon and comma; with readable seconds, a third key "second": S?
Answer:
{"hour": 5, "minute": 28}
